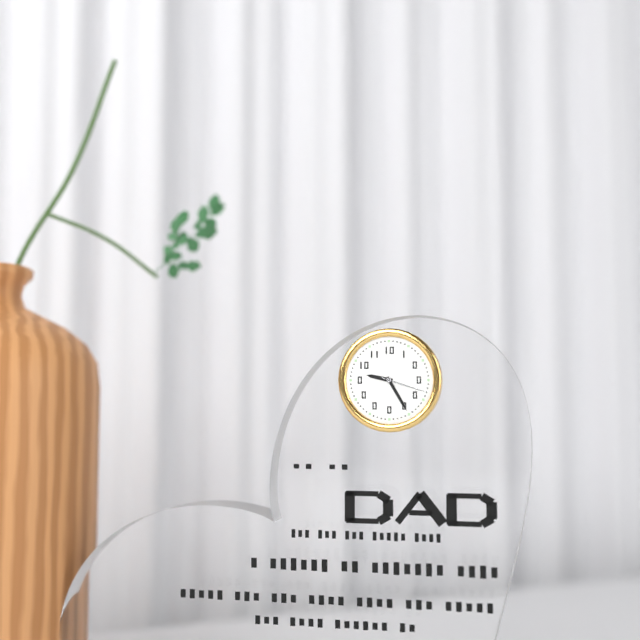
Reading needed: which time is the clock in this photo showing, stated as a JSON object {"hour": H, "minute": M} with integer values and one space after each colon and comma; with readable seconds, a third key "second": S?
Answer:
{"hour": 9, "minute": 25}
